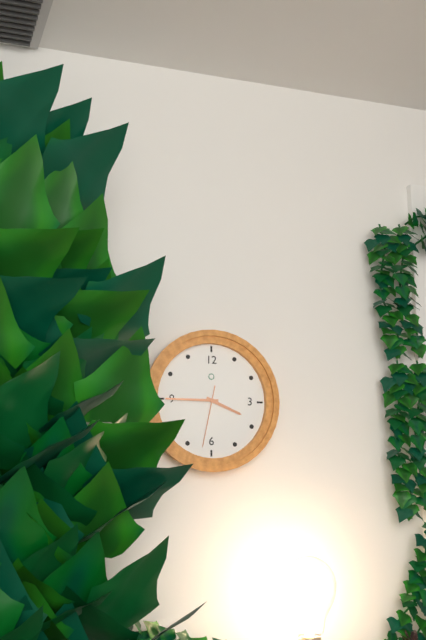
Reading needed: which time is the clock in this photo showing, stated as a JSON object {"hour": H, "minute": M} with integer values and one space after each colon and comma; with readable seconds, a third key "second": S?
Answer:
{"hour": 3, "minute": 45, "second": 32}
